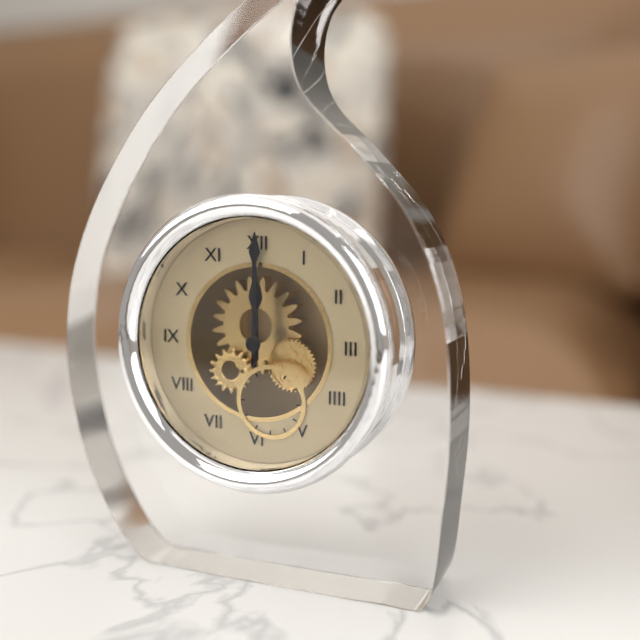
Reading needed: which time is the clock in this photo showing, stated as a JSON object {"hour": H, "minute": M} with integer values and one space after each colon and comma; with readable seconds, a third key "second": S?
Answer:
{"hour": 12, "minute": 0}
